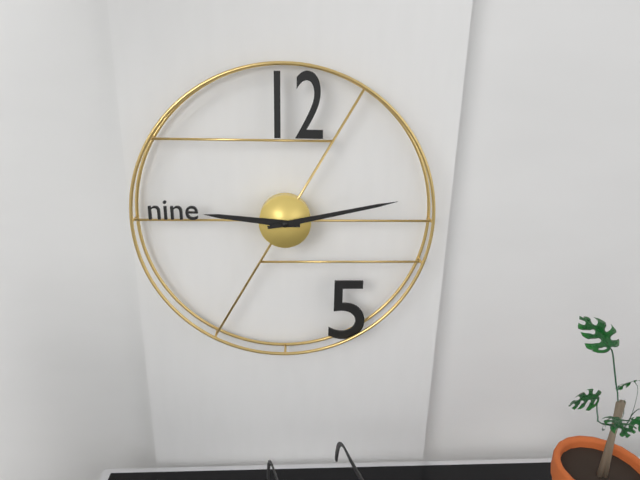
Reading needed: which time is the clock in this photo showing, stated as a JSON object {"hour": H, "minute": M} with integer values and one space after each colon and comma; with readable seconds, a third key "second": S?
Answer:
{"hour": 9, "minute": 13}
